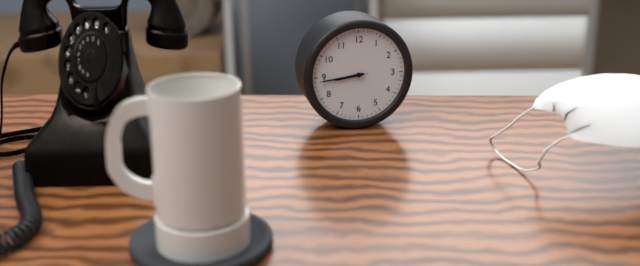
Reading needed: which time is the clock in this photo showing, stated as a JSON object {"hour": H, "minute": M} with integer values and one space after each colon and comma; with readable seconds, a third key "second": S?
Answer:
{"hour": 8, "minute": 44}
